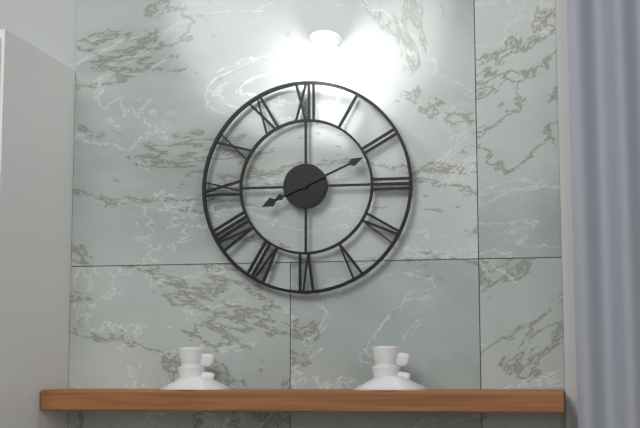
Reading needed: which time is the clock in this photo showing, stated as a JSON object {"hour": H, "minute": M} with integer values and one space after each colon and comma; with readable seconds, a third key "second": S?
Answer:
{"hour": 8, "minute": 11}
